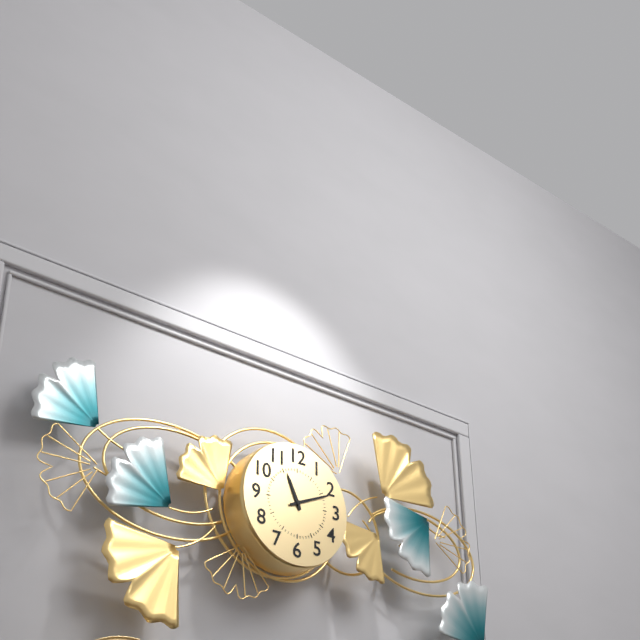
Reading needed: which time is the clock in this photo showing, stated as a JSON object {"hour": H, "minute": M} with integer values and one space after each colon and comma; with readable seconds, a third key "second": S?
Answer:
{"hour": 11, "minute": 11}
